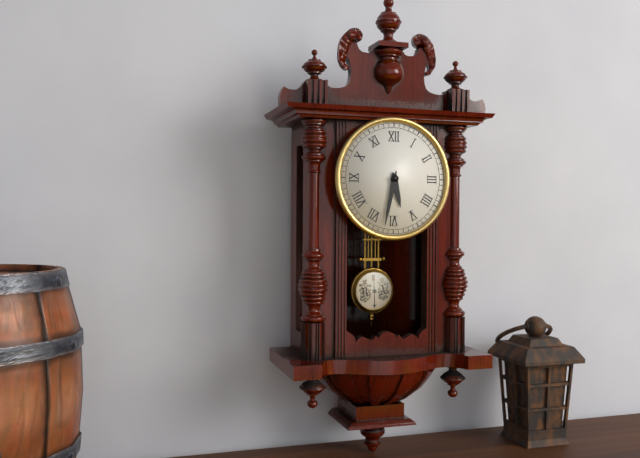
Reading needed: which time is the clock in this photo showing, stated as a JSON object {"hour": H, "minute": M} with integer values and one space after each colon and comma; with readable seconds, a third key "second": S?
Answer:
{"hour": 5, "minute": 32}
